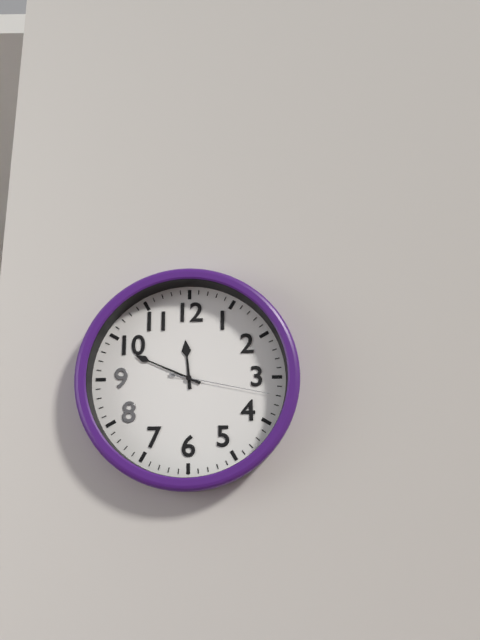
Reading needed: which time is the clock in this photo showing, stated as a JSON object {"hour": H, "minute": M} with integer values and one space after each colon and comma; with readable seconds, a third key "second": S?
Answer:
{"hour": 11, "minute": 49, "second": 17}
